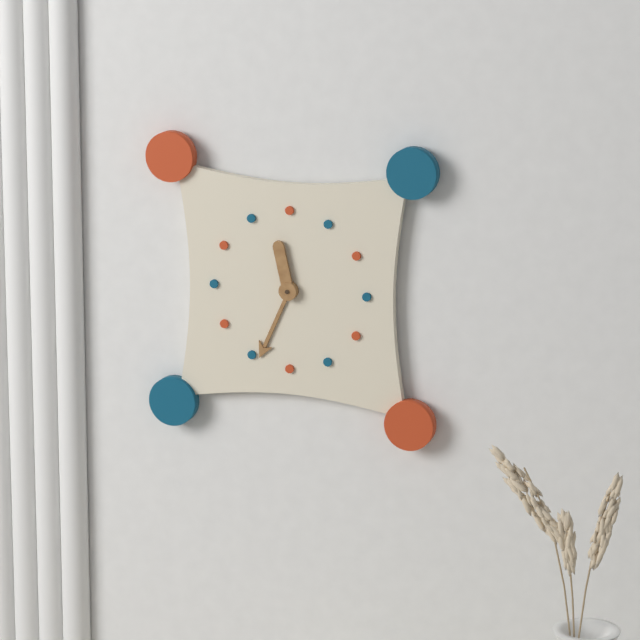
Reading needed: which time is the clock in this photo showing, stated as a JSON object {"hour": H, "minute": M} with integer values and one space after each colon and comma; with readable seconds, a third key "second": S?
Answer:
{"hour": 11, "minute": 34}
